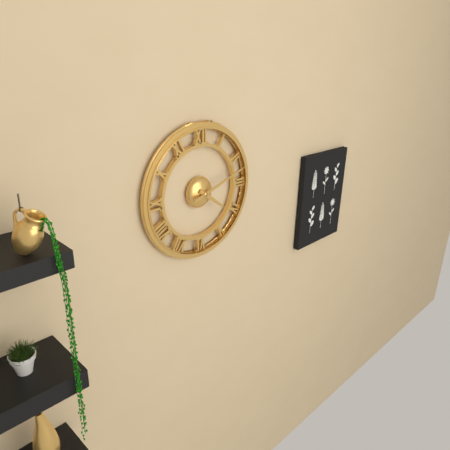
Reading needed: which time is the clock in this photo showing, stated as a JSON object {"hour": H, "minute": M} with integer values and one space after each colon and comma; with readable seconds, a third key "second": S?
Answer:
{"hour": 4, "minute": 12}
